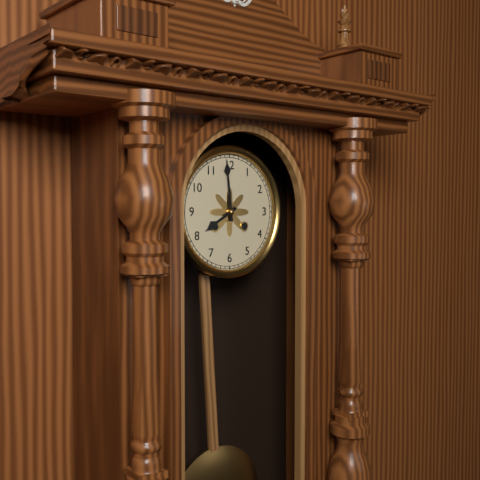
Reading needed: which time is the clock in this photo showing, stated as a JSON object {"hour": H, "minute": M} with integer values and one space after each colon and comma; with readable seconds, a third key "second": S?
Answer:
{"hour": 7, "minute": 59}
